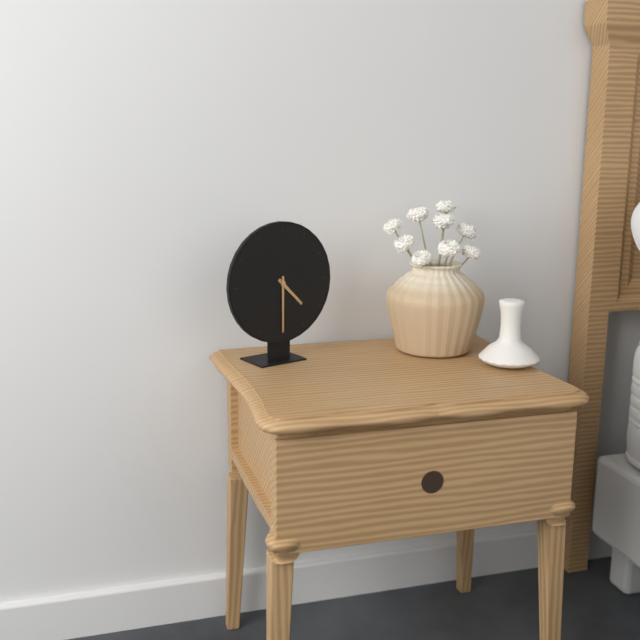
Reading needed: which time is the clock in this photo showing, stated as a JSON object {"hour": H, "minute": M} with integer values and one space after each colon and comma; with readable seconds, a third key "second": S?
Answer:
{"hour": 4, "minute": 30}
